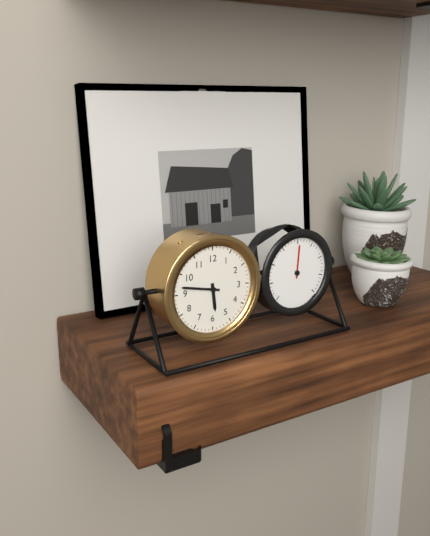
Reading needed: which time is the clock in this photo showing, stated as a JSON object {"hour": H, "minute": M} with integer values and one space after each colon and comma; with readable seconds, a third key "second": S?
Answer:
{"hour": 5, "minute": 47}
